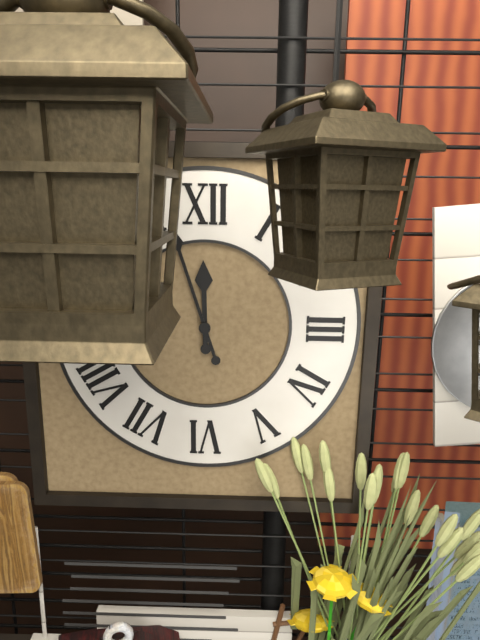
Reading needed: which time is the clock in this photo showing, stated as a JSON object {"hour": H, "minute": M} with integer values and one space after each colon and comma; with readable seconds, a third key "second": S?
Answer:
{"hour": 11, "minute": 57}
